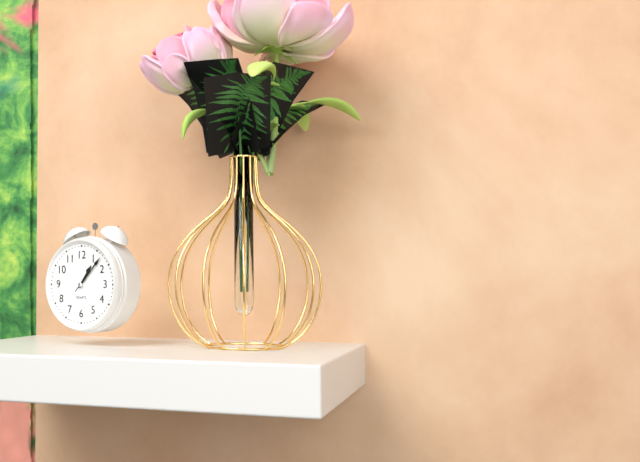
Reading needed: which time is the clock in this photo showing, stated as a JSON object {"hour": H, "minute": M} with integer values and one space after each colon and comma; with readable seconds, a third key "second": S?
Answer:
{"hour": 1, "minute": 7}
